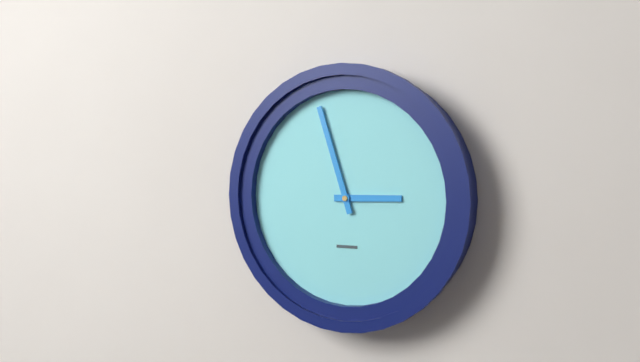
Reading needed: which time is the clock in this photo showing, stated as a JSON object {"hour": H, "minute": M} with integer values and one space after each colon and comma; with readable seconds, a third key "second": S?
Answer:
{"hour": 2, "minute": 57}
